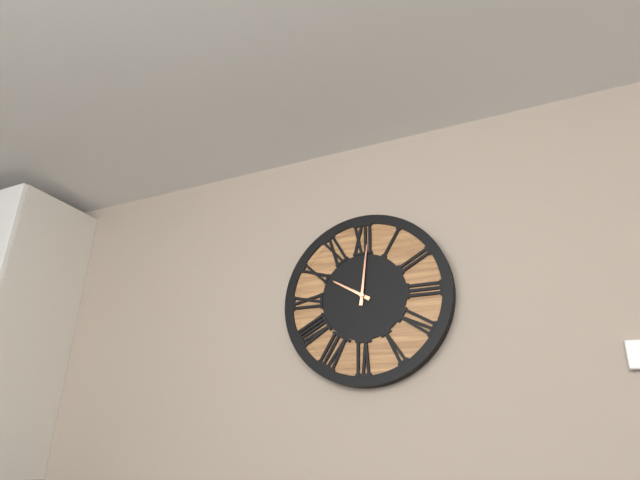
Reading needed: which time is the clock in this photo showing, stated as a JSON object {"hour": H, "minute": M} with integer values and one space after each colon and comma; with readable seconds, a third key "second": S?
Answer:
{"hour": 10, "minute": 1}
